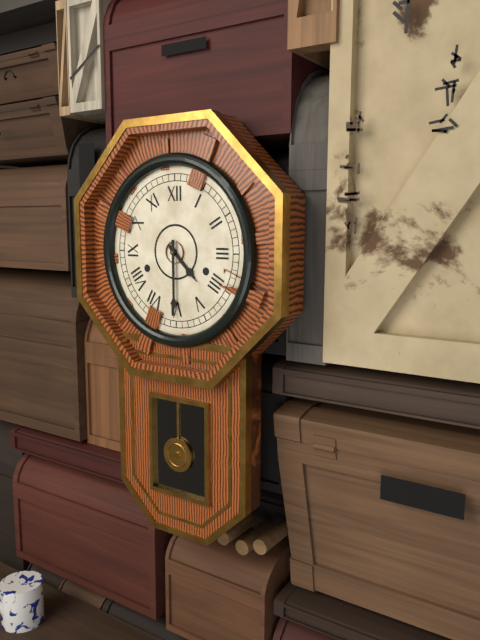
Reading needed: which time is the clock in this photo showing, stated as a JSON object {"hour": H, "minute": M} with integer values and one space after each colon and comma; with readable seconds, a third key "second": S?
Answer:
{"hour": 4, "minute": 30}
